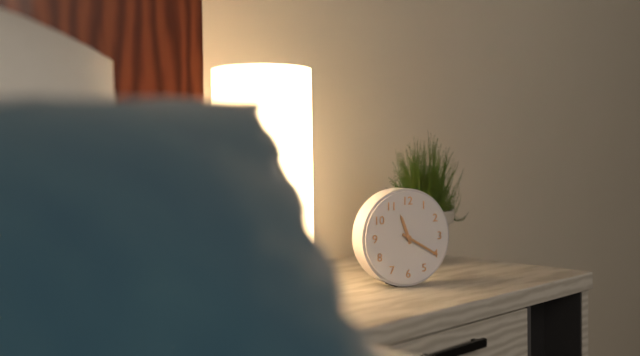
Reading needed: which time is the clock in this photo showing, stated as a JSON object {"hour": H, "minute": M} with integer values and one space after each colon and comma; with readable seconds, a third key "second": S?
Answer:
{"hour": 11, "minute": 20}
